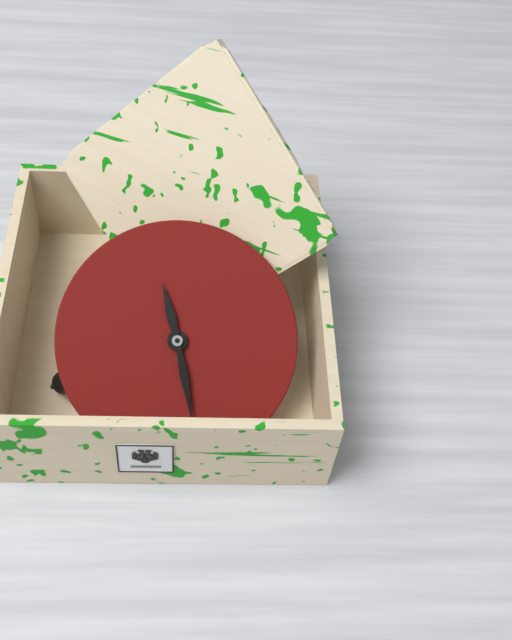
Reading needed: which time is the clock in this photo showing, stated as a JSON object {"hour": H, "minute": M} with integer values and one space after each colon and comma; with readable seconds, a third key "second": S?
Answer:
{"hour": 11, "minute": 28}
